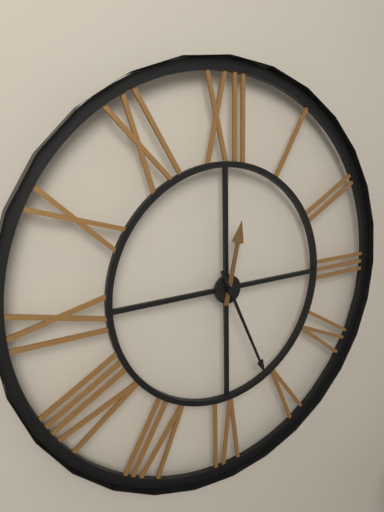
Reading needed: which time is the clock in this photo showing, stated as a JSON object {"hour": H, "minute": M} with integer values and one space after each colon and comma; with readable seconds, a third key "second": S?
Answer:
{"hour": 12, "minute": 26}
